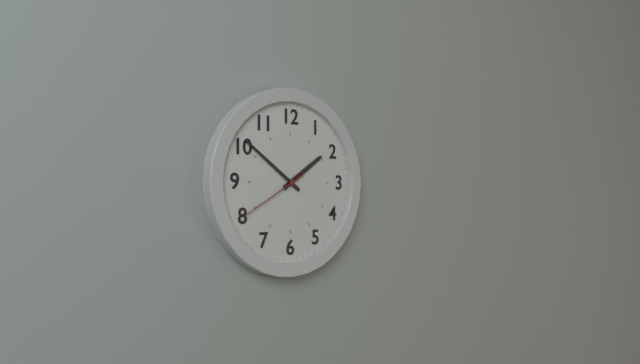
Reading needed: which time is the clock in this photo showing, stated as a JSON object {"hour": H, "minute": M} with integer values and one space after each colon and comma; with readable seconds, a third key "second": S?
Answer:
{"hour": 1, "minute": 51, "second": 40}
